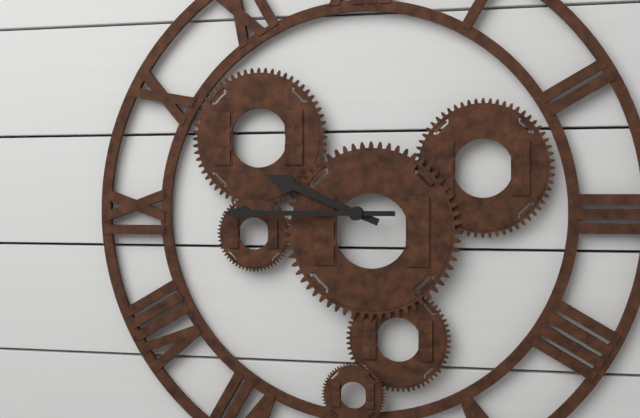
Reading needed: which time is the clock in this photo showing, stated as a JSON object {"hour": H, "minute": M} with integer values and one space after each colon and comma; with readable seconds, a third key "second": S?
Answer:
{"hour": 9, "minute": 45}
